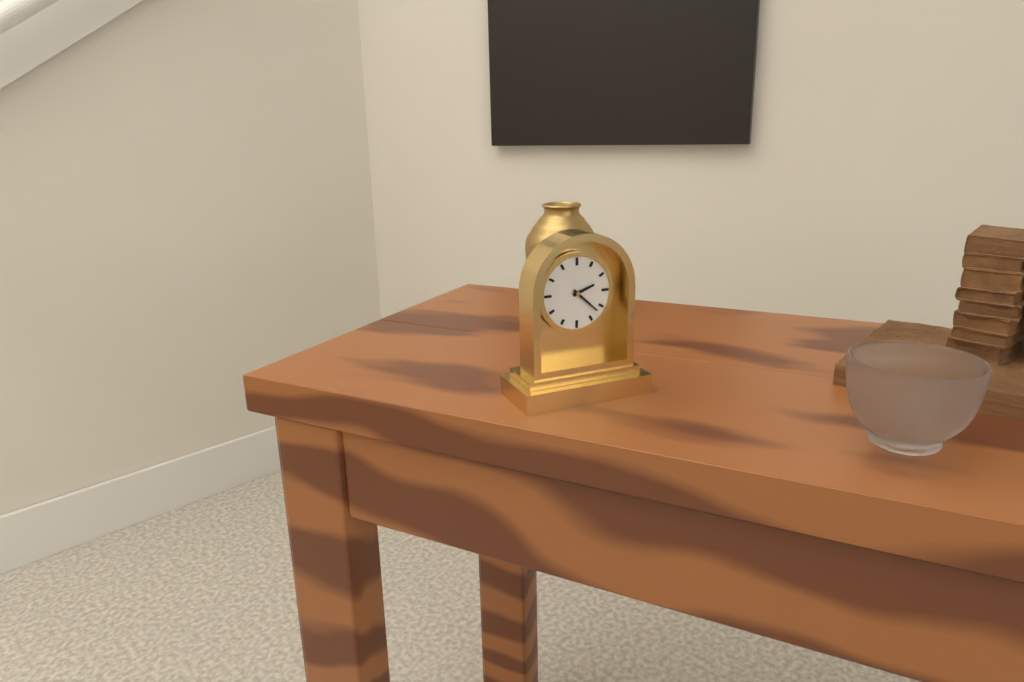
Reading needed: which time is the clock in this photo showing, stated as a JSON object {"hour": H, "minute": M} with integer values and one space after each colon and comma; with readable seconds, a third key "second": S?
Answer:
{"hour": 2, "minute": 22}
